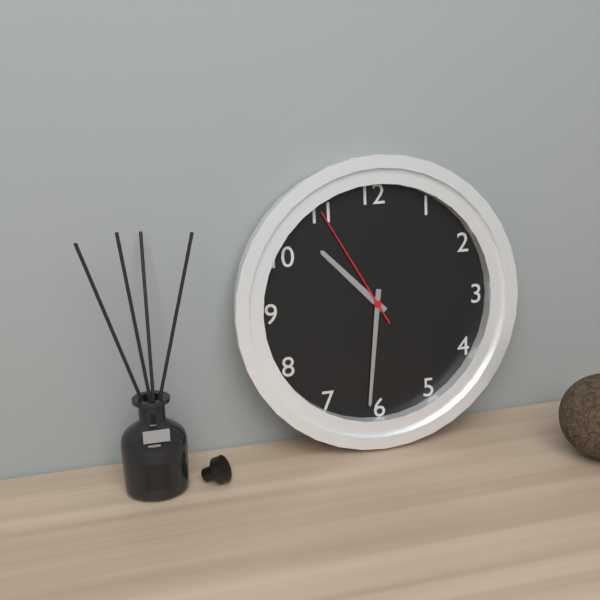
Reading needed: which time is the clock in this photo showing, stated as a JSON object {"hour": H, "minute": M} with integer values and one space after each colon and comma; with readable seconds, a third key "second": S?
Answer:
{"hour": 10, "minute": 31, "second": 55}
